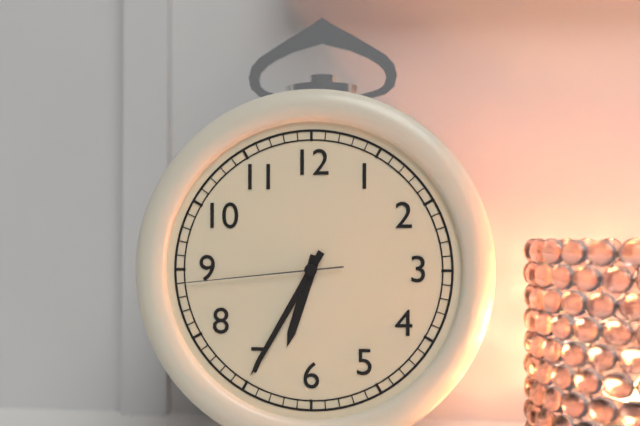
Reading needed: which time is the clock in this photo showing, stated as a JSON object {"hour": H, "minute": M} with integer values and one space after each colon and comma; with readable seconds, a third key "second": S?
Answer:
{"hour": 6, "minute": 35, "second": 44}
